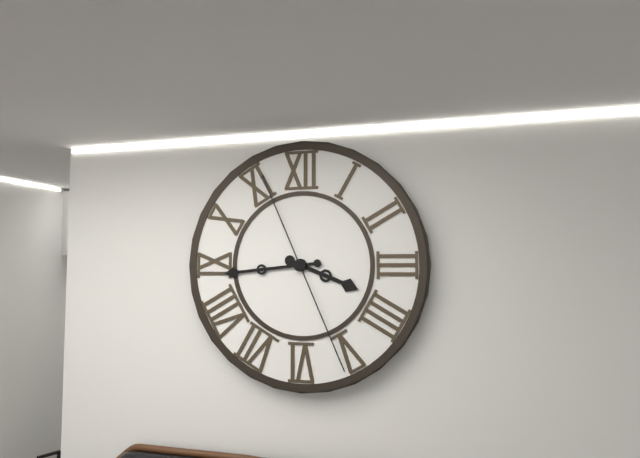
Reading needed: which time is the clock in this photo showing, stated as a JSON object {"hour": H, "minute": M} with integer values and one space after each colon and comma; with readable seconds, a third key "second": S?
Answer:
{"hour": 3, "minute": 44, "second": 26}
